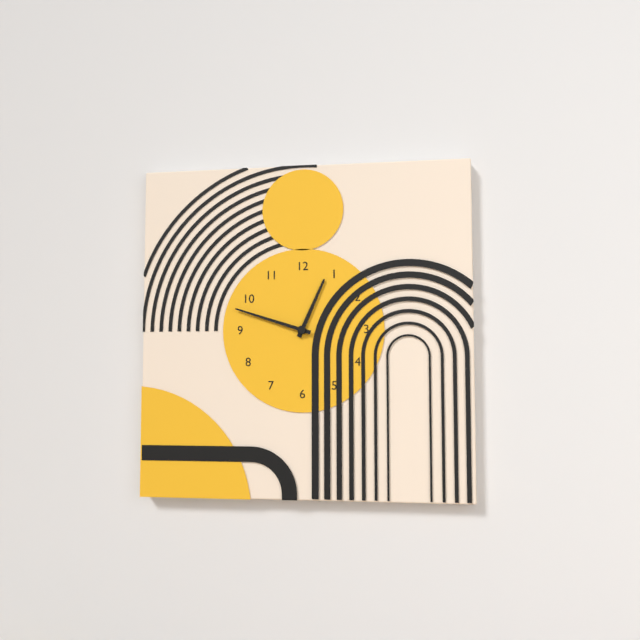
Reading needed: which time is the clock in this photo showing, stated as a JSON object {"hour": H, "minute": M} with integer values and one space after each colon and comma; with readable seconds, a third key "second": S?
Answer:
{"hour": 12, "minute": 48}
